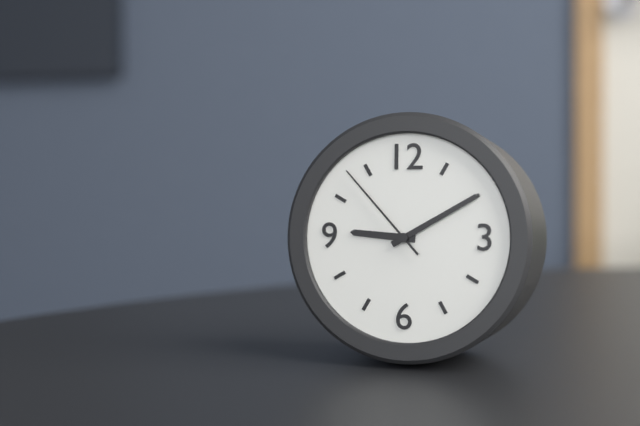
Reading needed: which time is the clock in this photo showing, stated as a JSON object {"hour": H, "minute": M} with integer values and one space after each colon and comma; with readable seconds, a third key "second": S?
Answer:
{"hour": 9, "minute": 10, "second": 53}
